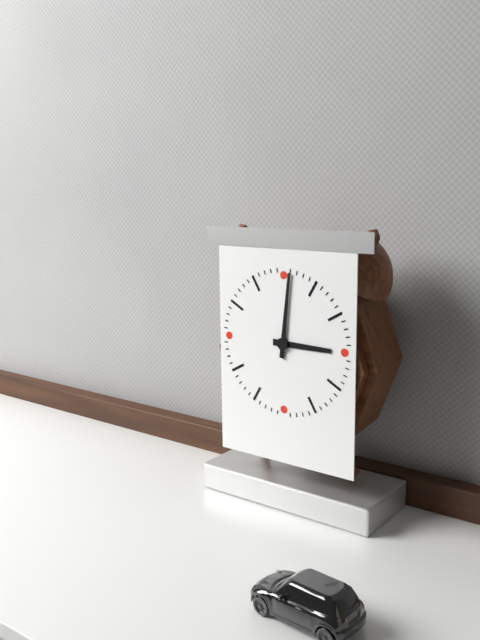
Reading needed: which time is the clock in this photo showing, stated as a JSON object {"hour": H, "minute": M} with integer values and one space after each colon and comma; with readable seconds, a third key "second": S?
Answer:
{"hour": 3, "minute": 1}
